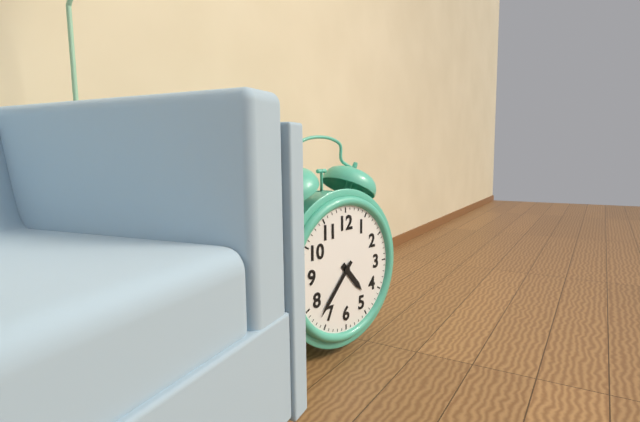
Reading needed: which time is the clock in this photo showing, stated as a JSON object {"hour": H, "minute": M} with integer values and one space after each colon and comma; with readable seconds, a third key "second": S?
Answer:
{"hour": 4, "minute": 37}
